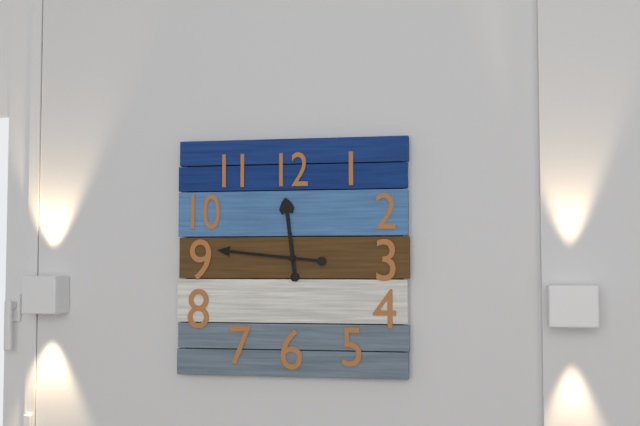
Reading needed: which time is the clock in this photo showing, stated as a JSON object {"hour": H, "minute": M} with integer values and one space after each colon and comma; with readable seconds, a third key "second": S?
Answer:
{"hour": 11, "minute": 46}
